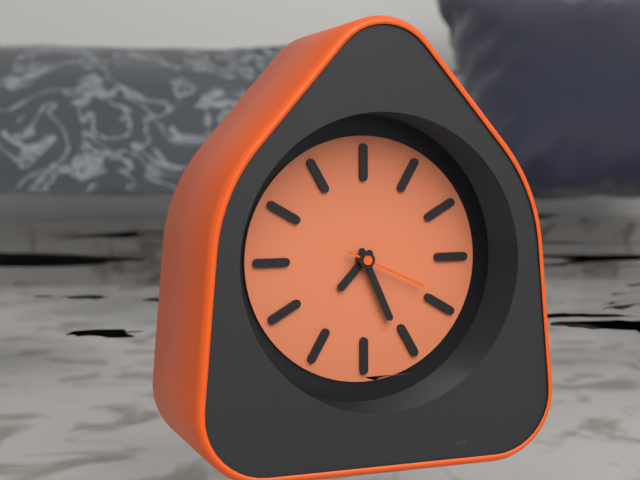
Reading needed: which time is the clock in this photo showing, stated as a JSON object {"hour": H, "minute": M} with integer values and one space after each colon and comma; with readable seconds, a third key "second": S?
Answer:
{"hour": 7, "minute": 26, "second": 19}
